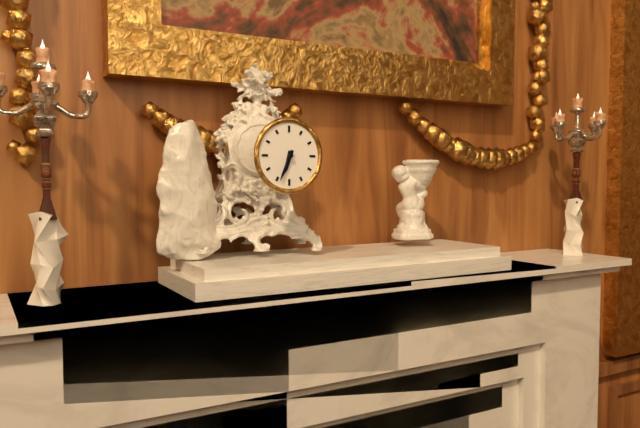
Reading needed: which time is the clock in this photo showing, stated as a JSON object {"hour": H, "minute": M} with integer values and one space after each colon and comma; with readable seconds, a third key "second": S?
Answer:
{"hour": 6, "minute": 34}
